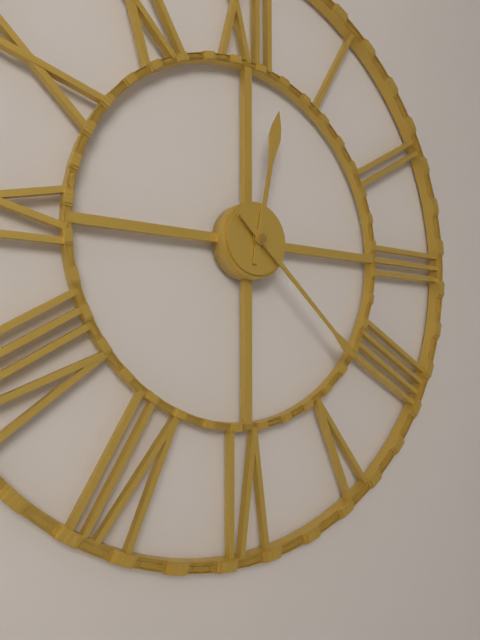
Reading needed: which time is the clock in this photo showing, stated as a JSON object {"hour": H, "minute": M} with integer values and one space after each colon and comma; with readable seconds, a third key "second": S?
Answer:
{"hour": 12, "minute": 22}
